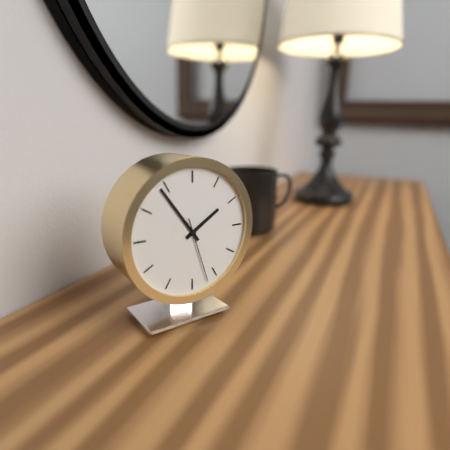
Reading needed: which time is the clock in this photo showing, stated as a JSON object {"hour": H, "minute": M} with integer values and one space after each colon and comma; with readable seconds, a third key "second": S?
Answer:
{"hour": 1, "minute": 54, "second": 27}
